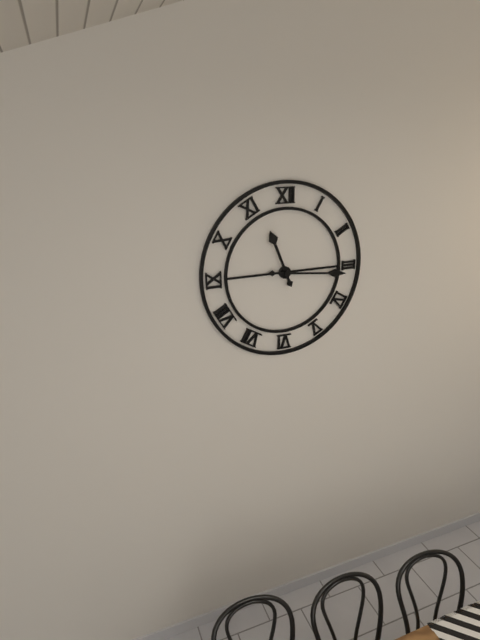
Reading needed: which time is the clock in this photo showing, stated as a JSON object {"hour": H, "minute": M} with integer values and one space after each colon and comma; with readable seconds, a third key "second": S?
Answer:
{"hour": 11, "minute": 16}
